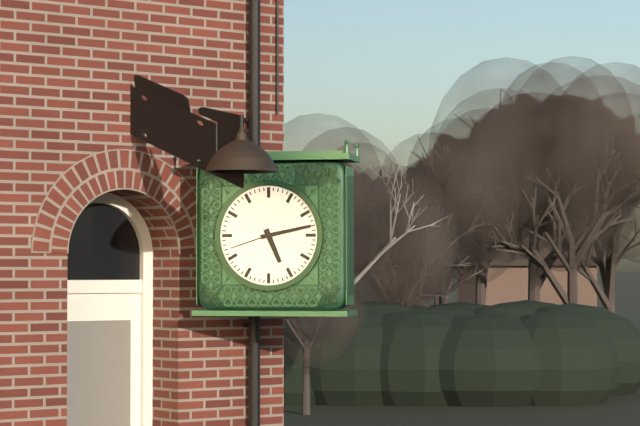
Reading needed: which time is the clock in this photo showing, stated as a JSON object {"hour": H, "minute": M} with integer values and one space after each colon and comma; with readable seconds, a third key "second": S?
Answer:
{"hour": 5, "minute": 13, "second": 42}
